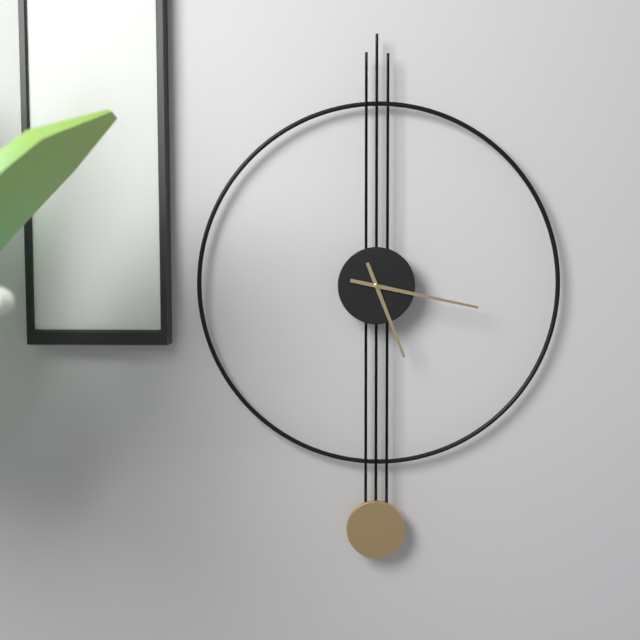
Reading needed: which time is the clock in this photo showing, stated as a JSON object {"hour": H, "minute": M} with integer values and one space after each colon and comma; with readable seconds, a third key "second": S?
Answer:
{"hour": 5, "minute": 17}
